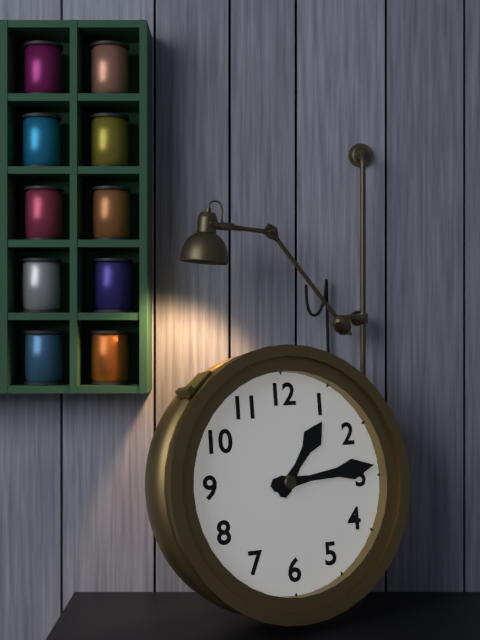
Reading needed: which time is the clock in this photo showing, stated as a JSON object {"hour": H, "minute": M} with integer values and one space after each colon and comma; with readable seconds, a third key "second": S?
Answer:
{"hour": 1, "minute": 14}
